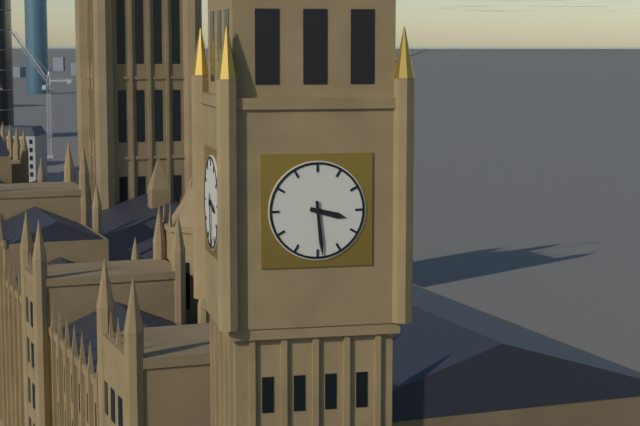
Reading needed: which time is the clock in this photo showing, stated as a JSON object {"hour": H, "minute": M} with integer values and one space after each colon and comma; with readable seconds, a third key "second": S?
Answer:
{"hour": 3, "minute": 29}
